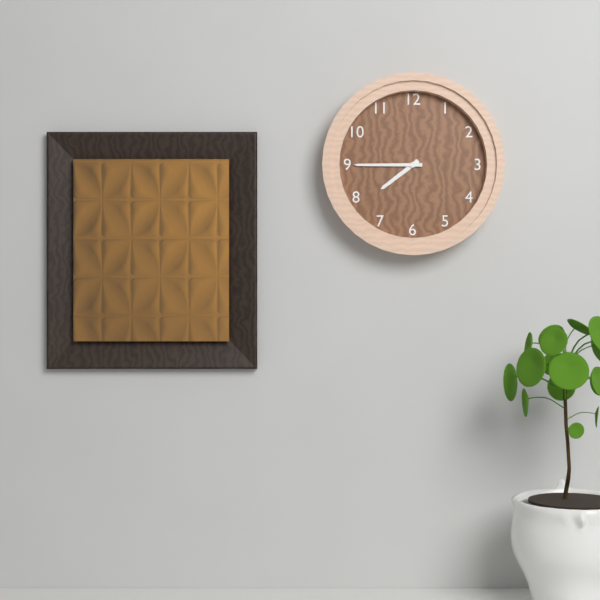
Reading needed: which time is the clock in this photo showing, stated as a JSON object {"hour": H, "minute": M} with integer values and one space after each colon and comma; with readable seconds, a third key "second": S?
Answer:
{"hour": 7, "minute": 45}
